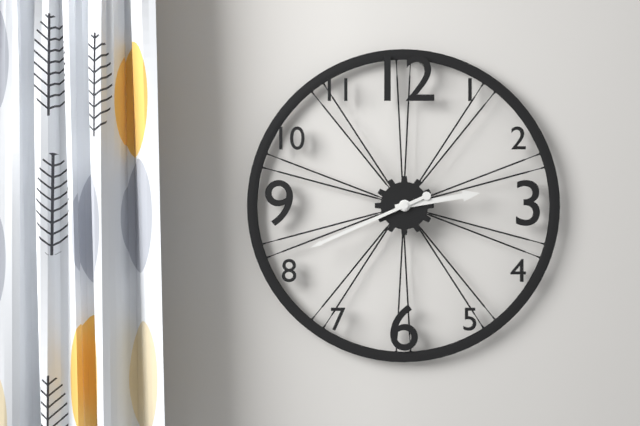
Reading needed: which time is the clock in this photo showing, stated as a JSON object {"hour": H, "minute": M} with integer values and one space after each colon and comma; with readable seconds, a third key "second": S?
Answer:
{"hour": 2, "minute": 41}
